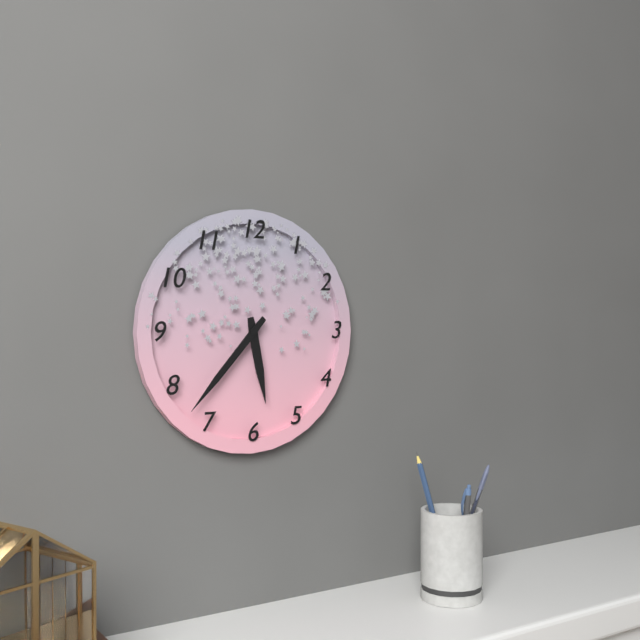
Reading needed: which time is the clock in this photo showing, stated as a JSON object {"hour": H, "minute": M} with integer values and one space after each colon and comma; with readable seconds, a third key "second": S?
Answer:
{"hour": 5, "minute": 37}
